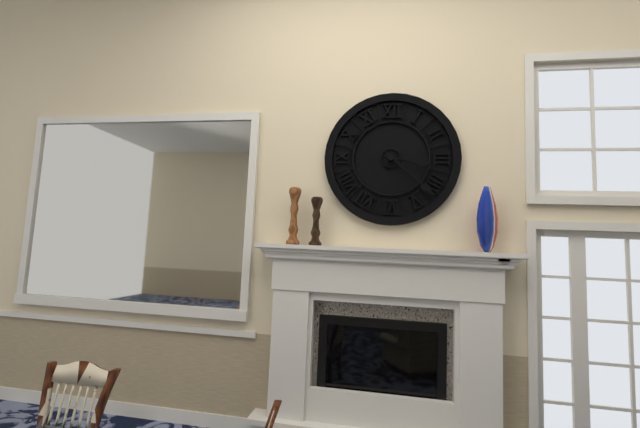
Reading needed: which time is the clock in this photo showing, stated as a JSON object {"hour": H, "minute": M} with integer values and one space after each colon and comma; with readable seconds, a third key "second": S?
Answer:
{"hour": 3, "minute": 22}
